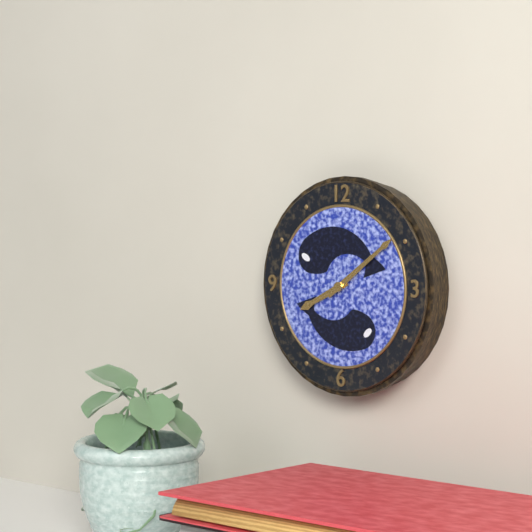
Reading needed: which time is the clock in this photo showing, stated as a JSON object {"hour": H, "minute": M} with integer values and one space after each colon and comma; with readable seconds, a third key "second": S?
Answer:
{"hour": 8, "minute": 9}
